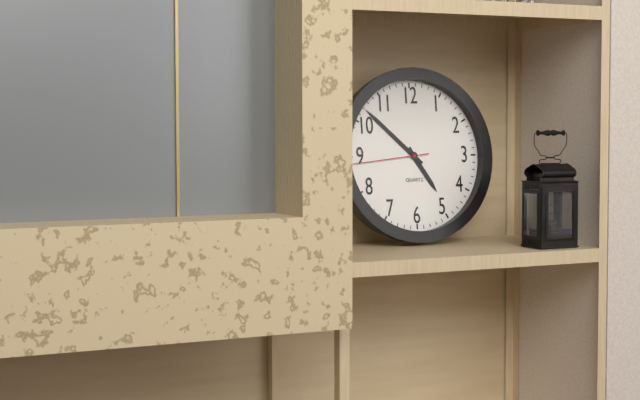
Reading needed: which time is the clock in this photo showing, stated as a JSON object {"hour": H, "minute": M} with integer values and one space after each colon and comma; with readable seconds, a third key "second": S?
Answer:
{"hour": 4, "minute": 52, "second": 44}
